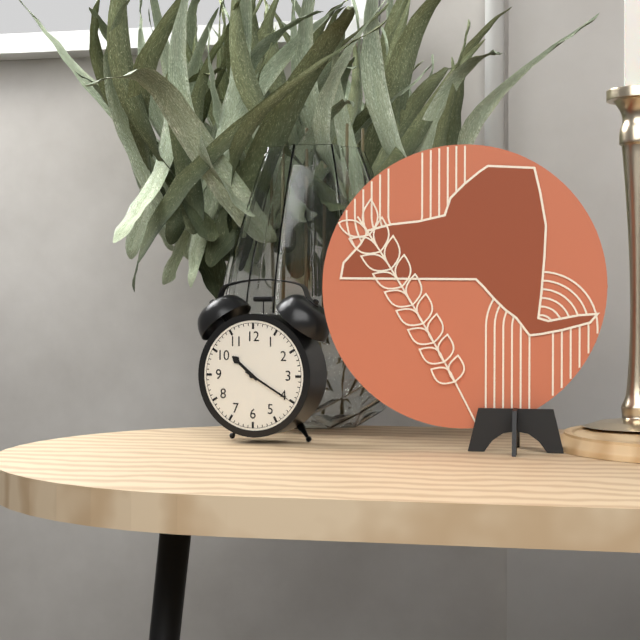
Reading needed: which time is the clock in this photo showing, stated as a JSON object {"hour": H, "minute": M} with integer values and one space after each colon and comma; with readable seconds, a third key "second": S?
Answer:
{"hour": 10, "minute": 20}
